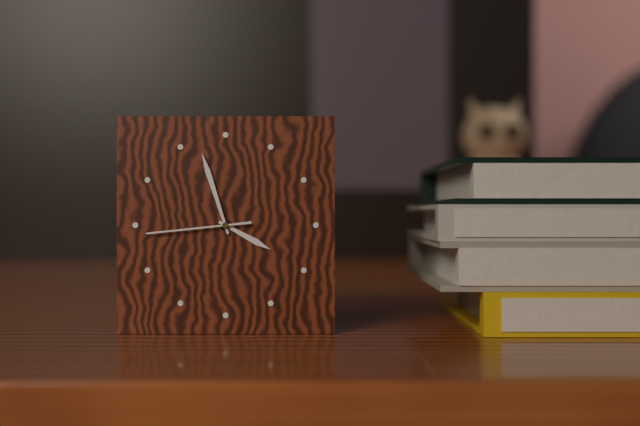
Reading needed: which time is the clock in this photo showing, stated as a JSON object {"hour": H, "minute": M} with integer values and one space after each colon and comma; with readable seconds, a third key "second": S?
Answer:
{"hour": 3, "minute": 57, "second": 44}
